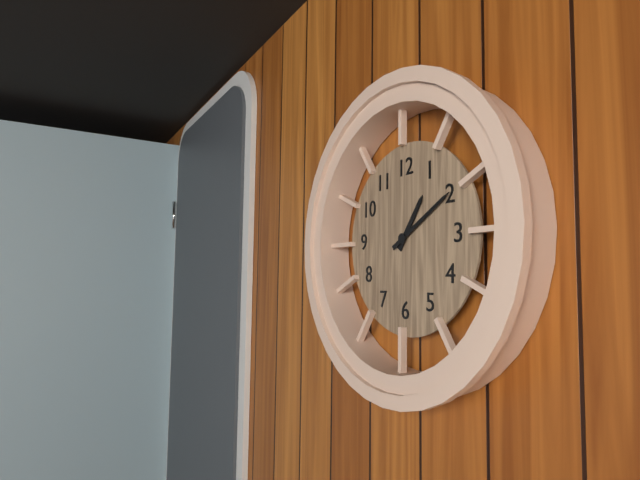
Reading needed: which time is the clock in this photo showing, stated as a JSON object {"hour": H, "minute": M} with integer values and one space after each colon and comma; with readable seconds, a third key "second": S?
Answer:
{"hour": 1, "minute": 10}
